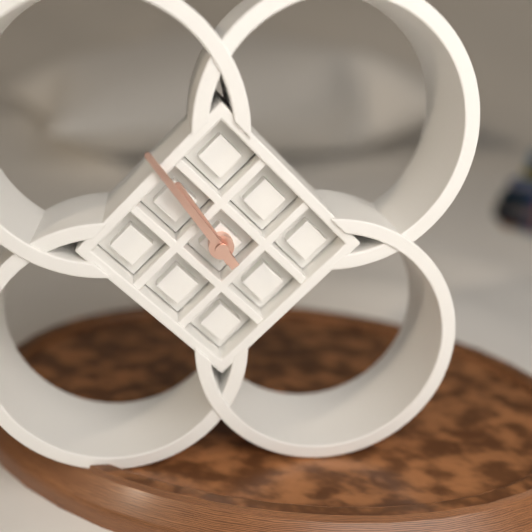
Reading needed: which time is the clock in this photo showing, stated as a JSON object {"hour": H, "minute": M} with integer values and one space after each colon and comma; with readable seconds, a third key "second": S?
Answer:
{"hour": 10, "minute": 54}
